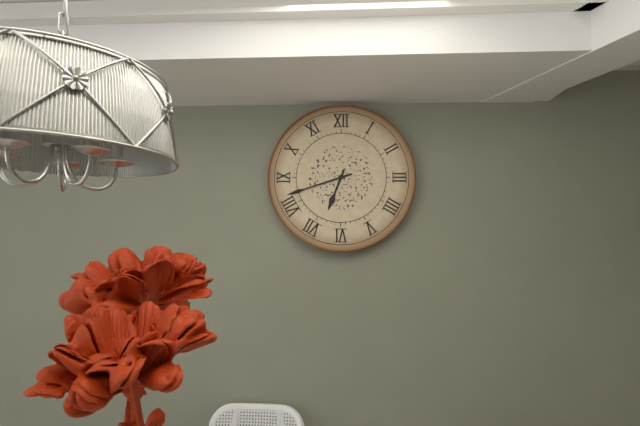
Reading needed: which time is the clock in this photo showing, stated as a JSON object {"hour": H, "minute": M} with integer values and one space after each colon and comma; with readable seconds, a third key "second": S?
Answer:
{"hour": 6, "minute": 42}
